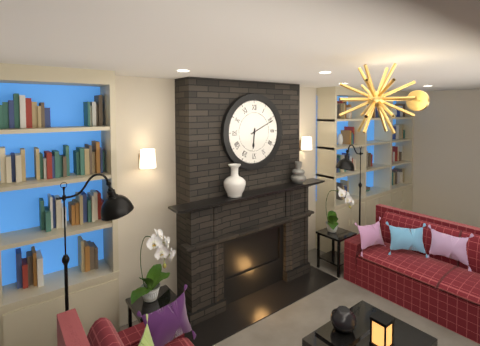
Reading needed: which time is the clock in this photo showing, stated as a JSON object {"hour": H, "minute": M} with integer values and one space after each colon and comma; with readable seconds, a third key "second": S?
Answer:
{"hour": 6, "minute": 11}
